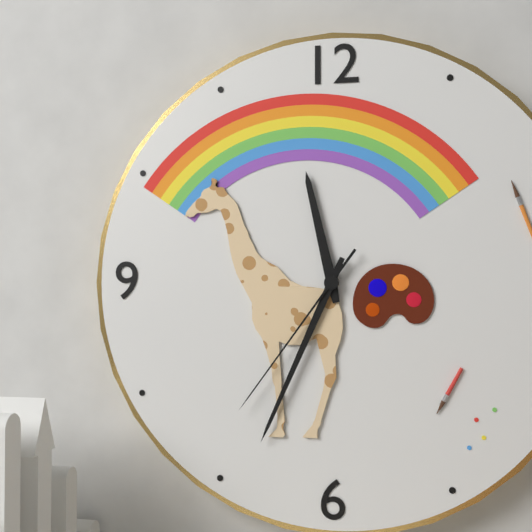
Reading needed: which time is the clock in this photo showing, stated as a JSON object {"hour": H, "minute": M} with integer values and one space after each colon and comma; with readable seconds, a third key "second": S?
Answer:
{"hour": 11, "minute": 34, "second": 36}
